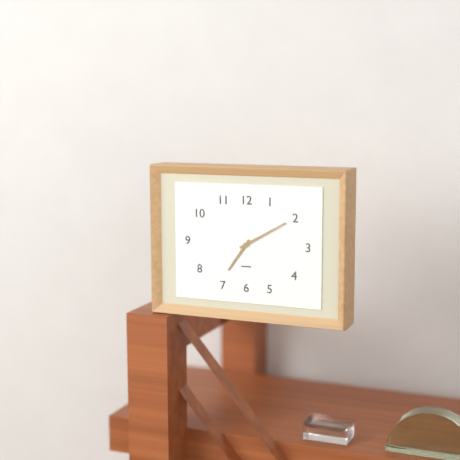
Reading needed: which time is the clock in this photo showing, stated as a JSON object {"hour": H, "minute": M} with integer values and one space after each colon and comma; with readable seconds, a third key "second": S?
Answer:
{"hour": 7, "minute": 10}
